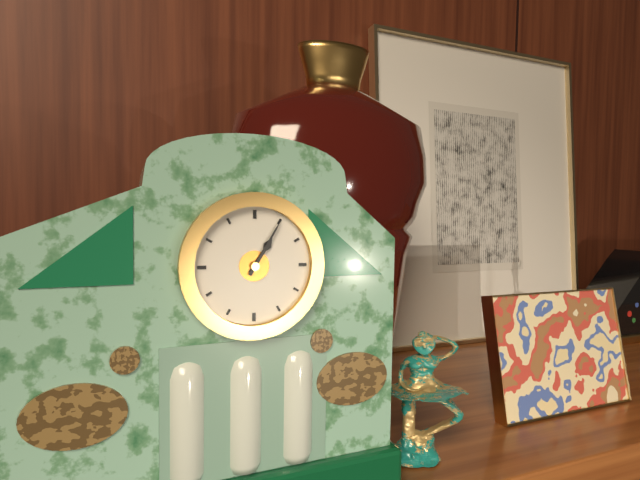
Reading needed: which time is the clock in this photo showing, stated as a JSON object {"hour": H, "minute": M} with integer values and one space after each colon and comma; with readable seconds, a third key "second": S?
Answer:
{"hour": 1, "minute": 5}
